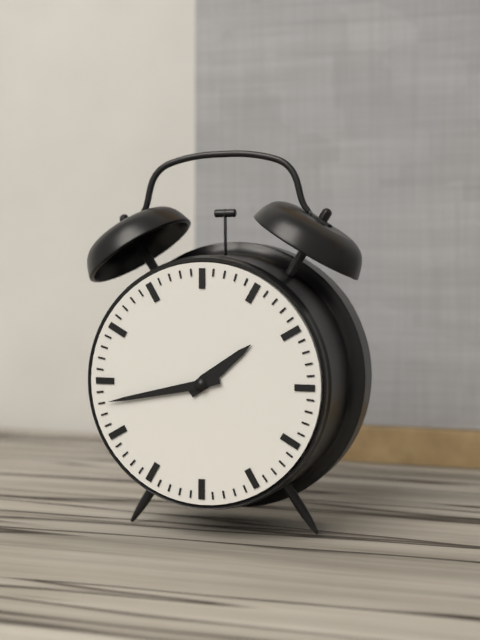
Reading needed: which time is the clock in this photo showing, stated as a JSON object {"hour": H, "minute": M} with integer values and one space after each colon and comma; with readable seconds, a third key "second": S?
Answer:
{"hour": 1, "minute": 43}
